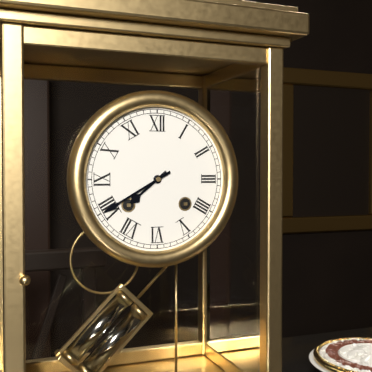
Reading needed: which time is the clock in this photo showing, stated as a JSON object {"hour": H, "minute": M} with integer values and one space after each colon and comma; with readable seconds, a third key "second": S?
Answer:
{"hour": 7, "minute": 40}
